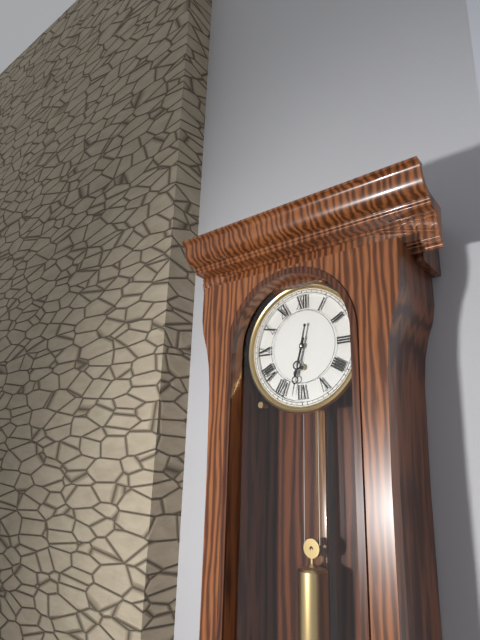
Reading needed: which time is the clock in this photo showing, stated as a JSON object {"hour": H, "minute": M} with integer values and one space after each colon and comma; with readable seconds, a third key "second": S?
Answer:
{"hour": 6, "minute": 32}
